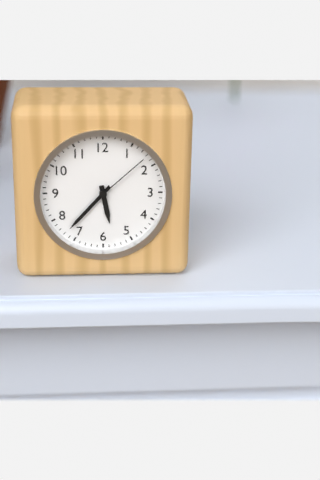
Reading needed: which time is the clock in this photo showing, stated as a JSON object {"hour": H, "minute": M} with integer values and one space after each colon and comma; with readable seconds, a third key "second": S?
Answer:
{"hour": 5, "minute": 37, "second": 8}
